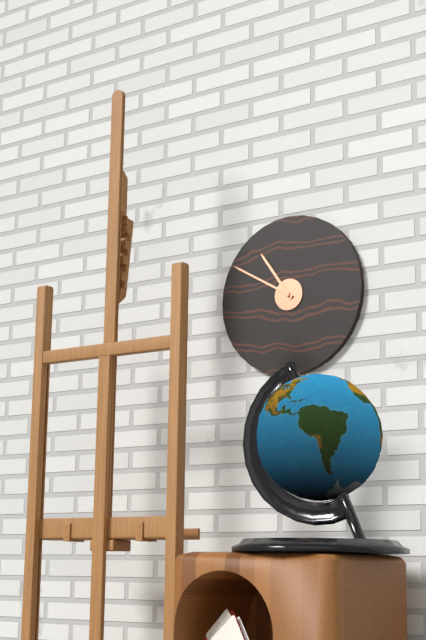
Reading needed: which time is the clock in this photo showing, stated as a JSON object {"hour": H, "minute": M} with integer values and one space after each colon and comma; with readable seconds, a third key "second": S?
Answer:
{"hour": 10, "minute": 50}
